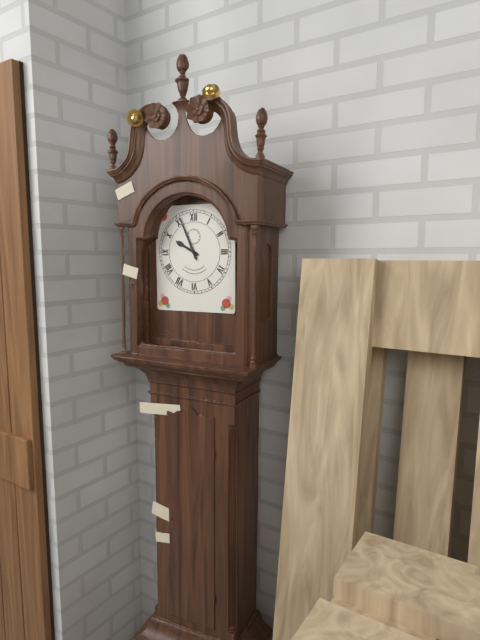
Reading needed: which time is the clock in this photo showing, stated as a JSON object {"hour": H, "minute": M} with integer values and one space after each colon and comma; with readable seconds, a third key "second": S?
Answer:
{"hour": 9, "minute": 56}
